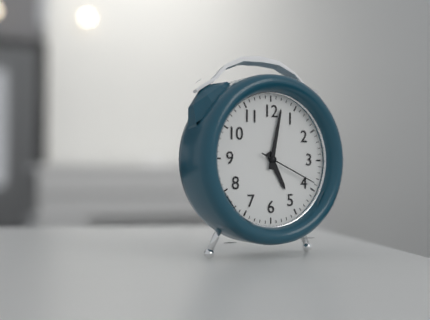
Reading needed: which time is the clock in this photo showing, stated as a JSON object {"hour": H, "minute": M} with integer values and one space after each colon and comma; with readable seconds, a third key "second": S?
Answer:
{"hour": 5, "minute": 2, "second": 19}
